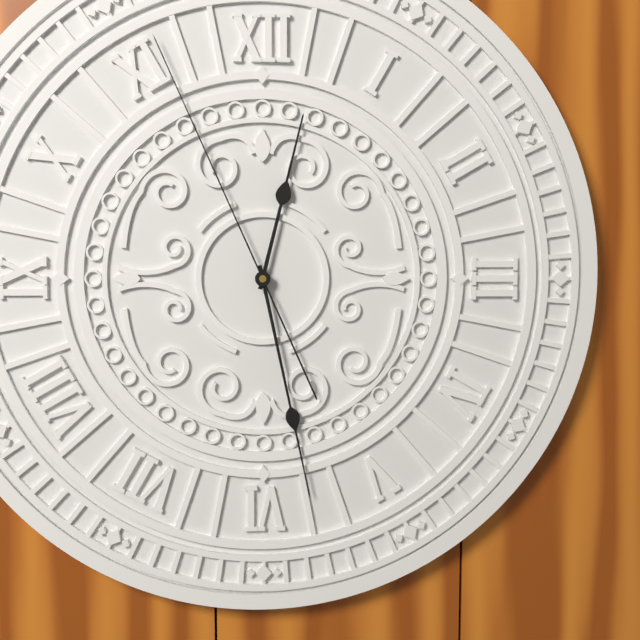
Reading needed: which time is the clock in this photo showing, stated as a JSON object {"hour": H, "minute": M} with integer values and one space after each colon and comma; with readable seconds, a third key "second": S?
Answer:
{"hour": 12, "minute": 28, "second": 56}
